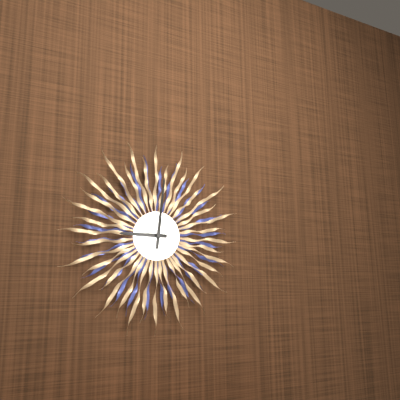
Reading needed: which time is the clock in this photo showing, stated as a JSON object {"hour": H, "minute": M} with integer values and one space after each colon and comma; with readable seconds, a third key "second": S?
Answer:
{"hour": 9, "minute": 1}
